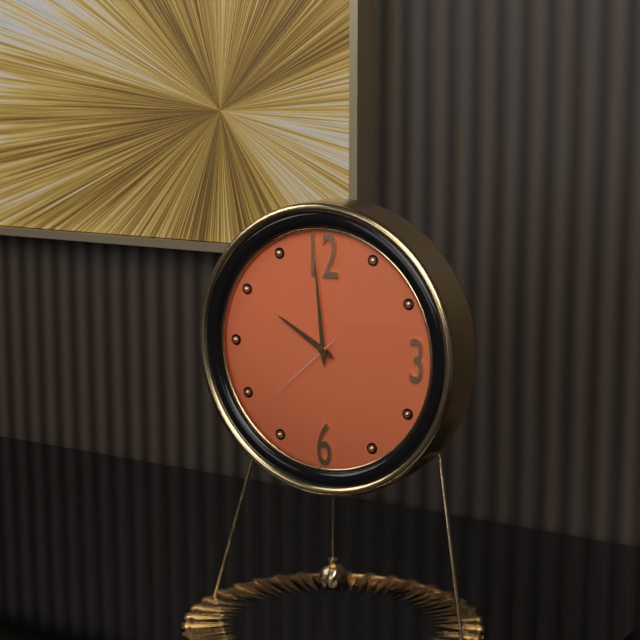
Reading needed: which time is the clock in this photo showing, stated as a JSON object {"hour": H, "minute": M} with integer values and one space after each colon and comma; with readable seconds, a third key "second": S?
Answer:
{"hour": 9, "minute": 59, "second": 38}
